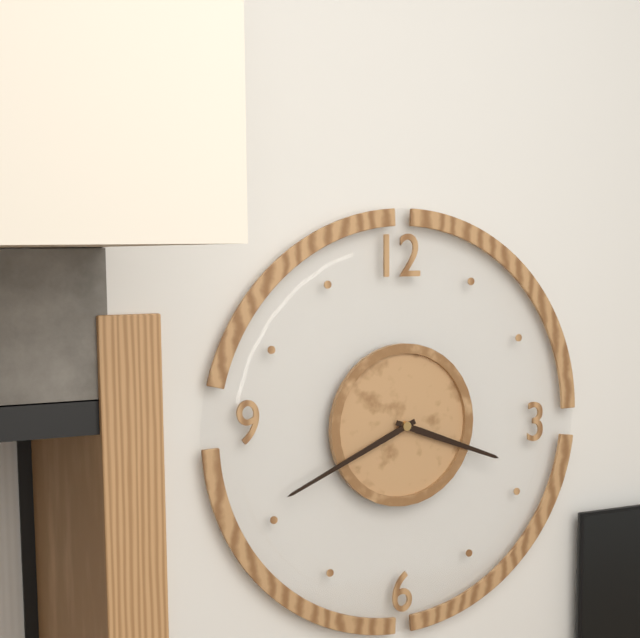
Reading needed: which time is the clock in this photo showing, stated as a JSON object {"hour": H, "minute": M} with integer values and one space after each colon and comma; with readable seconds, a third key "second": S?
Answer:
{"hour": 3, "minute": 41}
